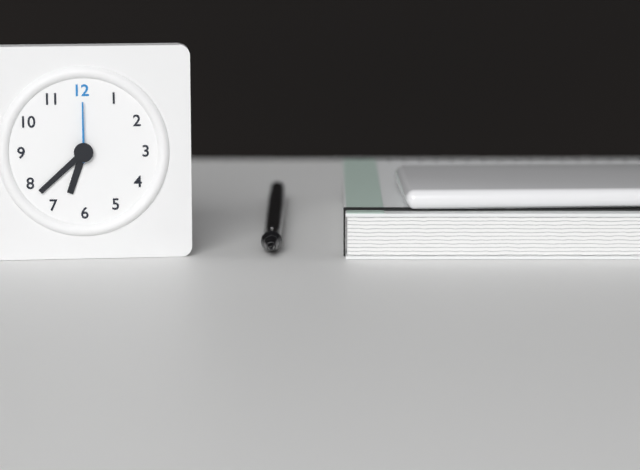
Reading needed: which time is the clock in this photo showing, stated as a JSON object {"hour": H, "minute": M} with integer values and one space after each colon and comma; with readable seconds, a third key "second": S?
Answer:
{"hour": 6, "minute": 38, "second": 0}
